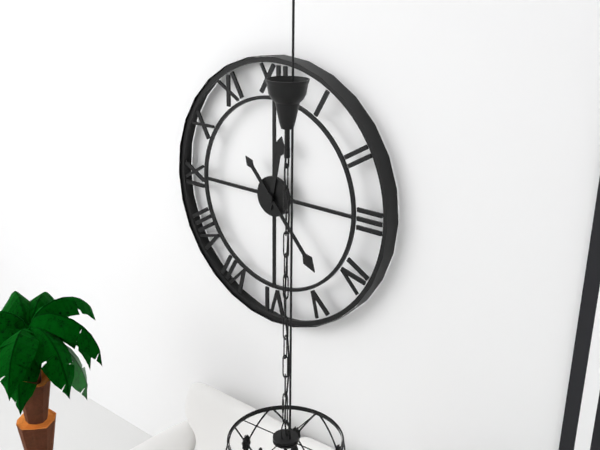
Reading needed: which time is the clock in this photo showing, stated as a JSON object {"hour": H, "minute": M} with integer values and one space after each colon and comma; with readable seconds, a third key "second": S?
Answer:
{"hour": 12, "minute": 23}
